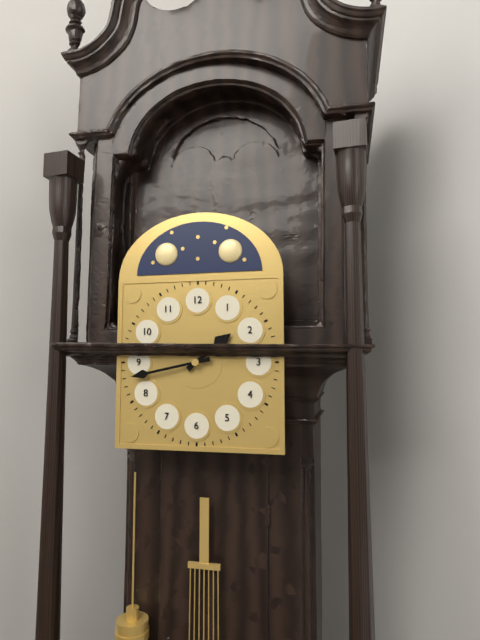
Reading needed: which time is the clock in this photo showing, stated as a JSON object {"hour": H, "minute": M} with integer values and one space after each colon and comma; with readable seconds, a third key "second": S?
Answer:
{"hour": 1, "minute": 43}
